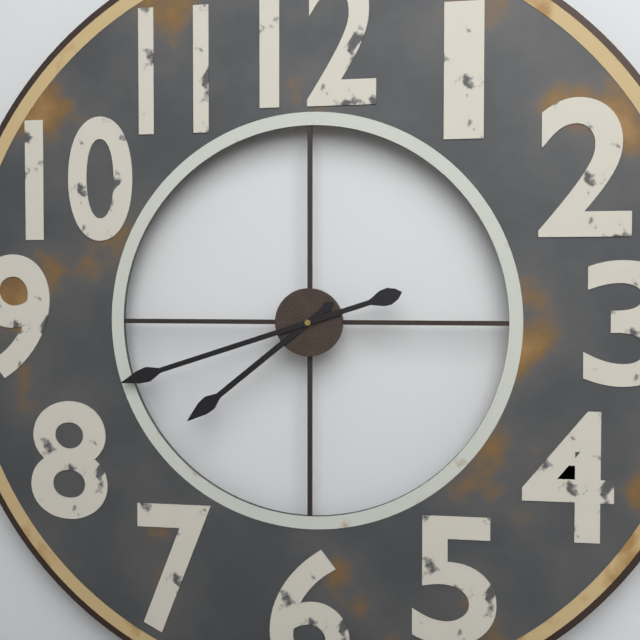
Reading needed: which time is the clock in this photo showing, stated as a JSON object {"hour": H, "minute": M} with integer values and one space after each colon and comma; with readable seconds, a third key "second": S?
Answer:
{"hour": 7, "minute": 42}
